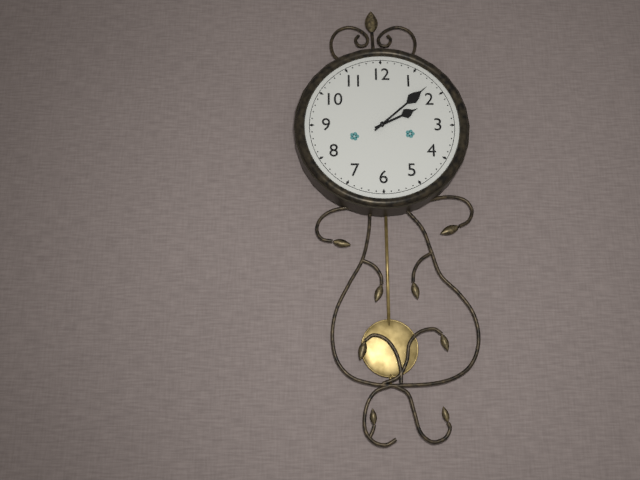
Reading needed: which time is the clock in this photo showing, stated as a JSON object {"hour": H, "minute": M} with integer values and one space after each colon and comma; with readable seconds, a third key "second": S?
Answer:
{"hour": 2, "minute": 8}
